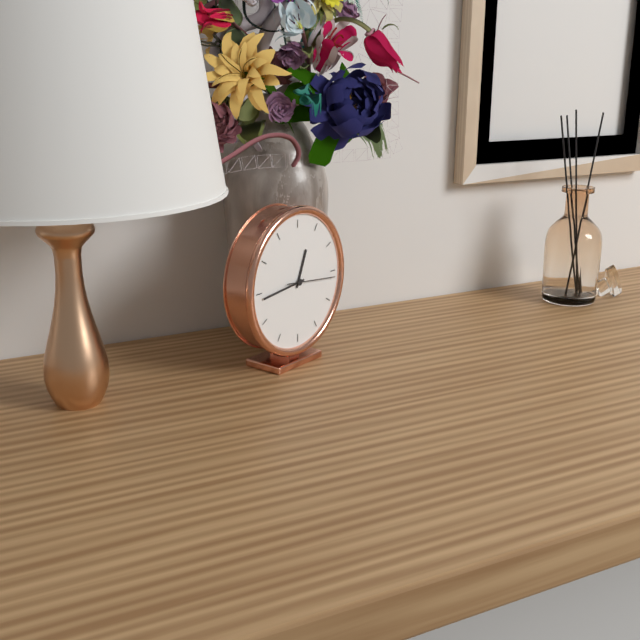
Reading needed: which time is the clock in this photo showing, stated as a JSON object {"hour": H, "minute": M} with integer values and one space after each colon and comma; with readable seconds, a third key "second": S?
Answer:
{"hour": 12, "minute": 44}
